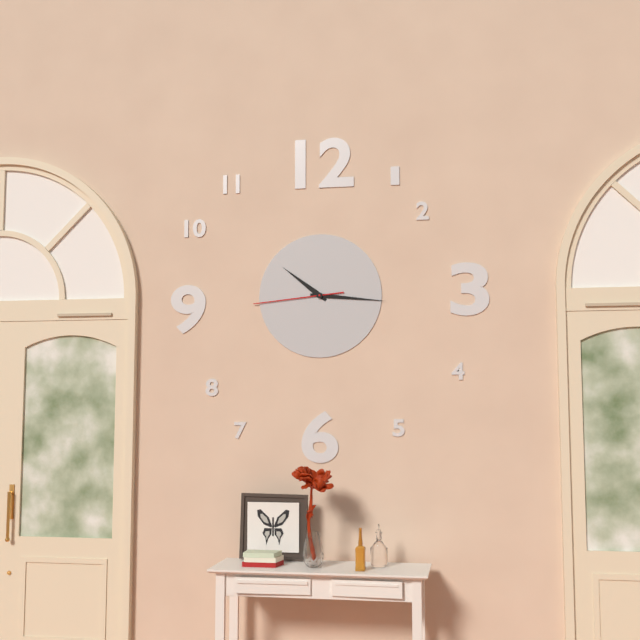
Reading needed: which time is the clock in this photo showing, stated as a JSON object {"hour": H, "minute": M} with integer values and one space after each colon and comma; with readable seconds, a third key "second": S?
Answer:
{"hour": 10, "minute": 16, "second": 44}
